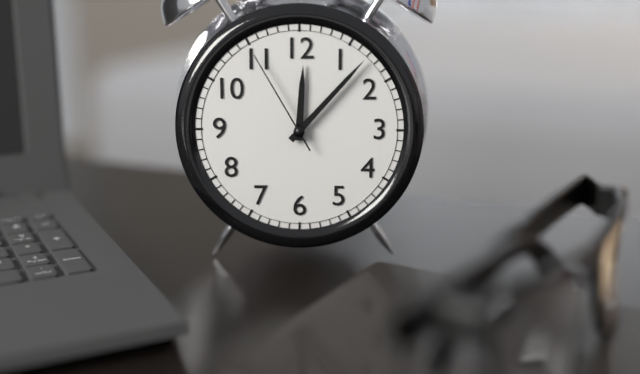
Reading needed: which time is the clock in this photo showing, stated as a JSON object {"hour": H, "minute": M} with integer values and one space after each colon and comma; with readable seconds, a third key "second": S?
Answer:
{"hour": 12, "minute": 7, "second": 55}
